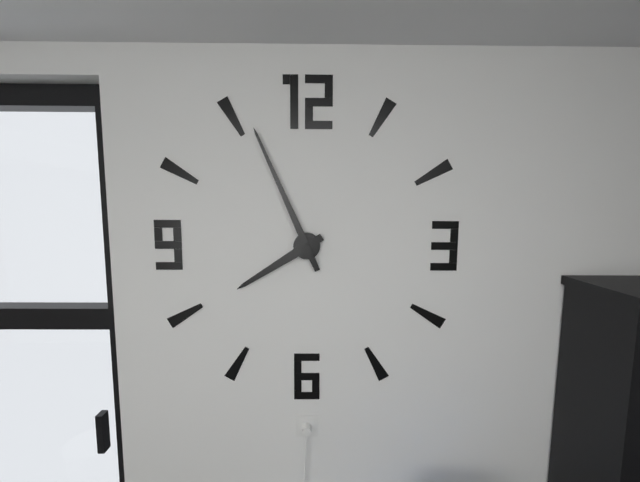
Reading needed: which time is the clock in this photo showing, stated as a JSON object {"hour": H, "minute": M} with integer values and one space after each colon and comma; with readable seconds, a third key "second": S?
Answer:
{"hour": 7, "minute": 56}
